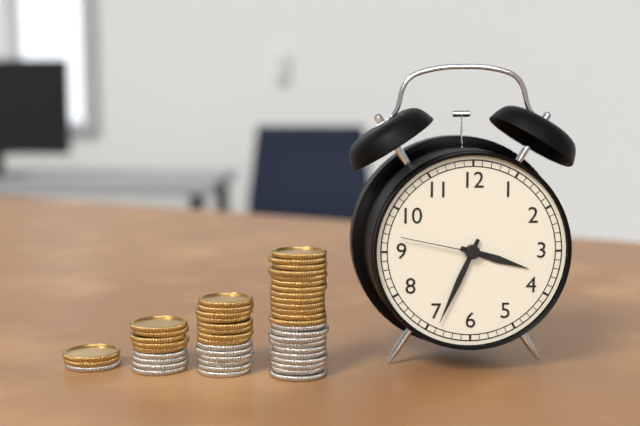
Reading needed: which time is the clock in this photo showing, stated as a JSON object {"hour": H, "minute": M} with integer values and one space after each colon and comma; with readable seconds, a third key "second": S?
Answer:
{"hour": 3, "minute": 34, "second": 47}
